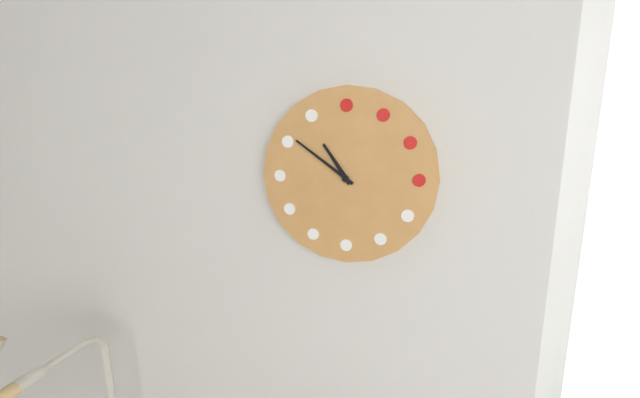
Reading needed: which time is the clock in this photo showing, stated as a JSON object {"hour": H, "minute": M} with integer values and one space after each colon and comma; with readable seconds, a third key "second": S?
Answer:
{"hour": 10, "minute": 51}
